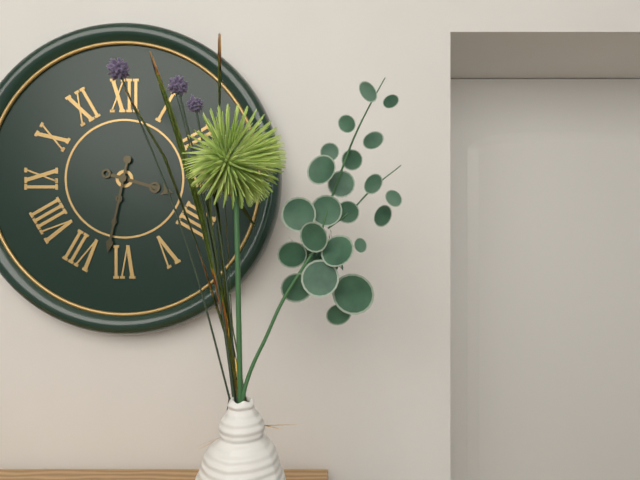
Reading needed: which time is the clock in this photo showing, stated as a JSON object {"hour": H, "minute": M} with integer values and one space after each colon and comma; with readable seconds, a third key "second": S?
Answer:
{"hour": 3, "minute": 32}
